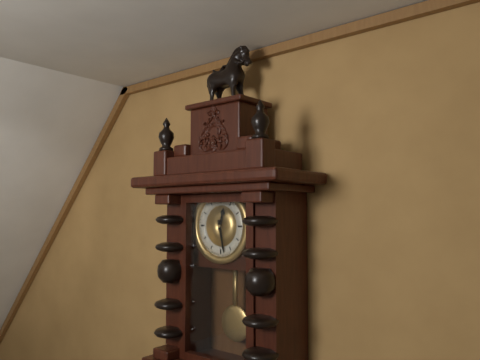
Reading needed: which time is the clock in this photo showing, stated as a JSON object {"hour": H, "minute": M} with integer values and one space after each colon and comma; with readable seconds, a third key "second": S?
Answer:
{"hour": 12, "minute": 28}
